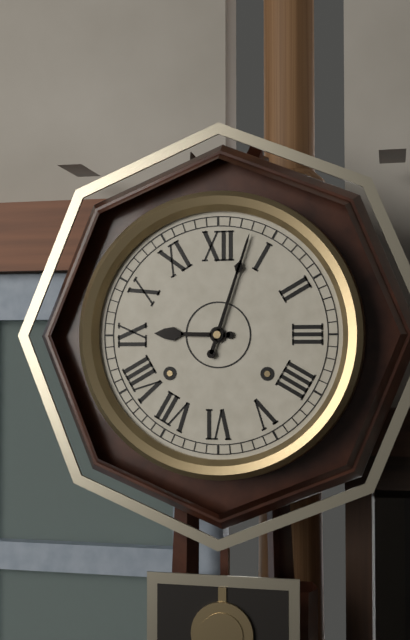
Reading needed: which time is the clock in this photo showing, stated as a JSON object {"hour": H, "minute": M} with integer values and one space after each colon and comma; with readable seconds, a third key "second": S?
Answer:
{"hour": 9, "minute": 3}
